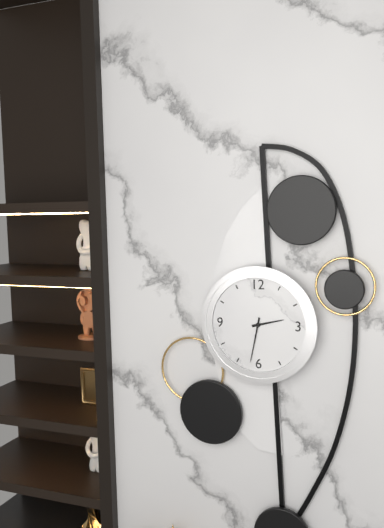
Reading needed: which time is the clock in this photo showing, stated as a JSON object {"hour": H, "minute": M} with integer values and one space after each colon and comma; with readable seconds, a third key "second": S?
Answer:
{"hour": 2, "minute": 32}
